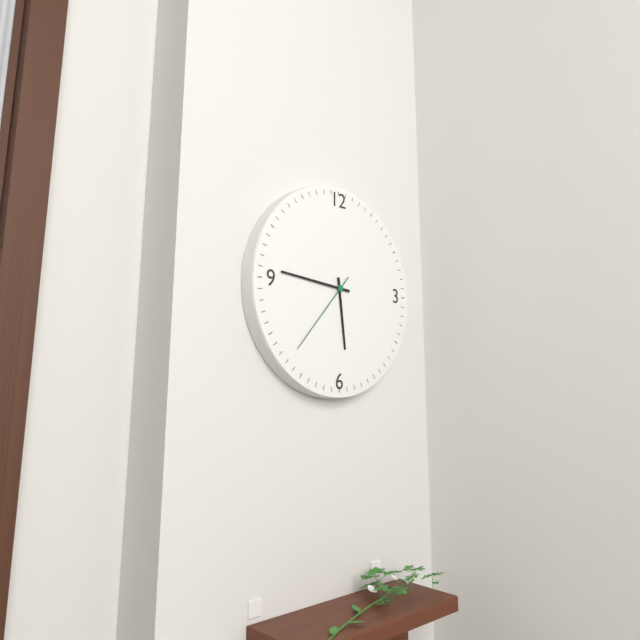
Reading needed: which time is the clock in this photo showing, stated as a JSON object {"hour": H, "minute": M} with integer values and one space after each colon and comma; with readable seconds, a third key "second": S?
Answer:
{"hour": 5, "minute": 46, "second": 37}
